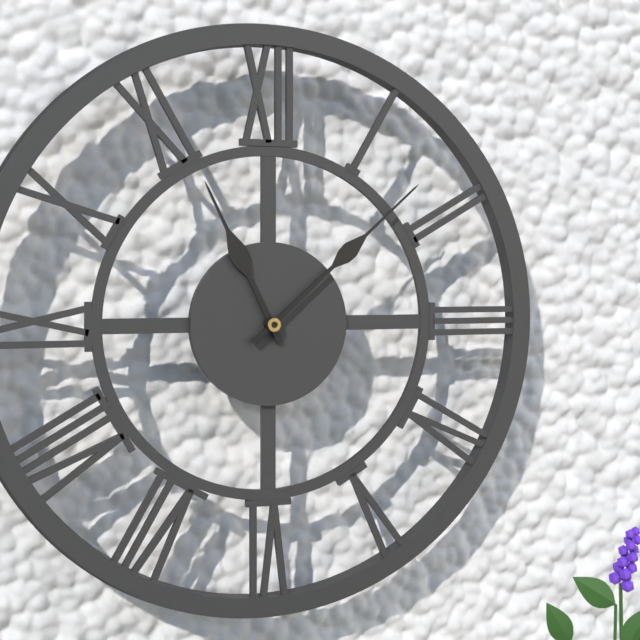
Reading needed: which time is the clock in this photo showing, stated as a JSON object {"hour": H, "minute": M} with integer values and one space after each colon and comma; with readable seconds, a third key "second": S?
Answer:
{"hour": 11, "minute": 8}
